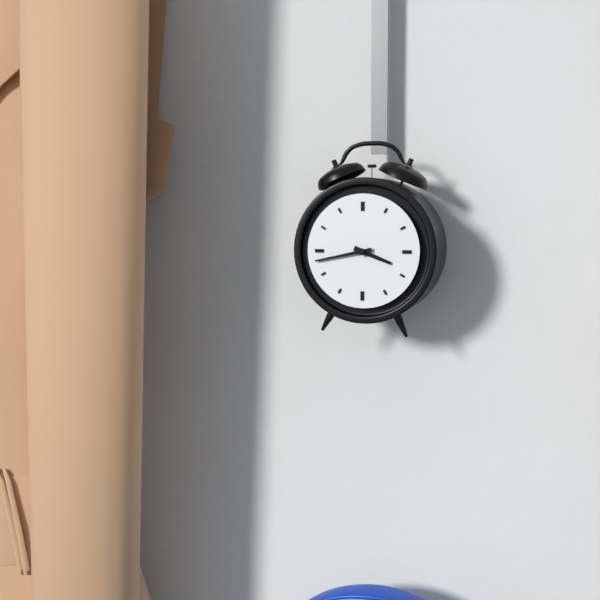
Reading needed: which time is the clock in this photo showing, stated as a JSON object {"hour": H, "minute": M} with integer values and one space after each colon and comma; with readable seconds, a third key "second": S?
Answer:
{"hour": 3, "minute": 43}
